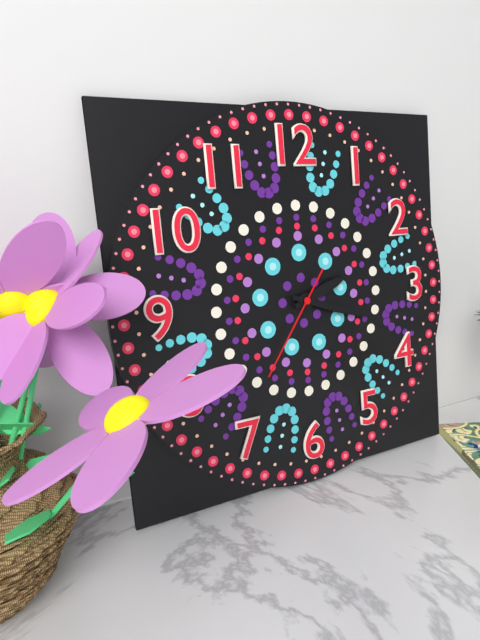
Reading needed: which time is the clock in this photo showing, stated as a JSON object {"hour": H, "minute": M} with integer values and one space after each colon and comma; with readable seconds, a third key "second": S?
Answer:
{"hour": 2, "minute": 18, "second": 36}
